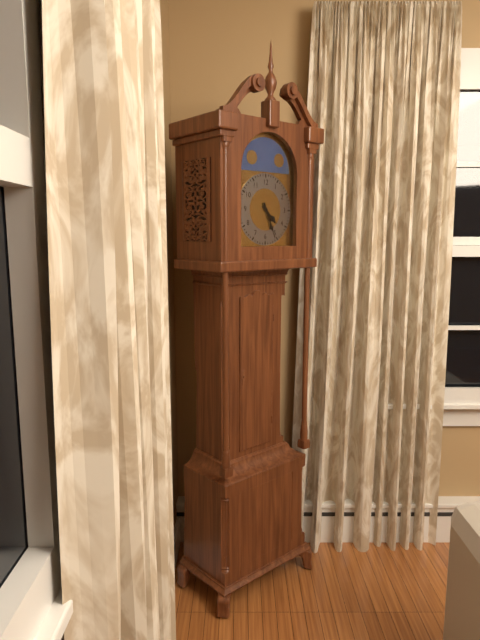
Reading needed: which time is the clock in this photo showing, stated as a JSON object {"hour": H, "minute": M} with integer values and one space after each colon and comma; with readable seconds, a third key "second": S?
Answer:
{"hour": 4, "minute": 26}
